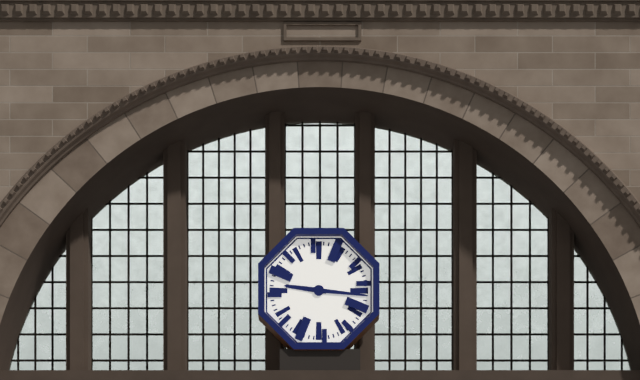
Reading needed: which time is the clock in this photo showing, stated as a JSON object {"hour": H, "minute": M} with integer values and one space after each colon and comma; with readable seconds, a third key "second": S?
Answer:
{"hour": 9, "minute": 16}
